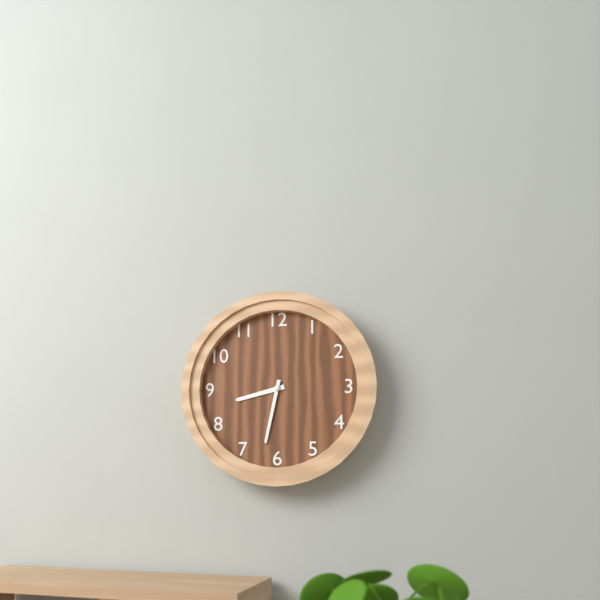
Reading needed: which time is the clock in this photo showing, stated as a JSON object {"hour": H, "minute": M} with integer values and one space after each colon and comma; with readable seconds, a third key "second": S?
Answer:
{"hour": 8, "minute": 32}
